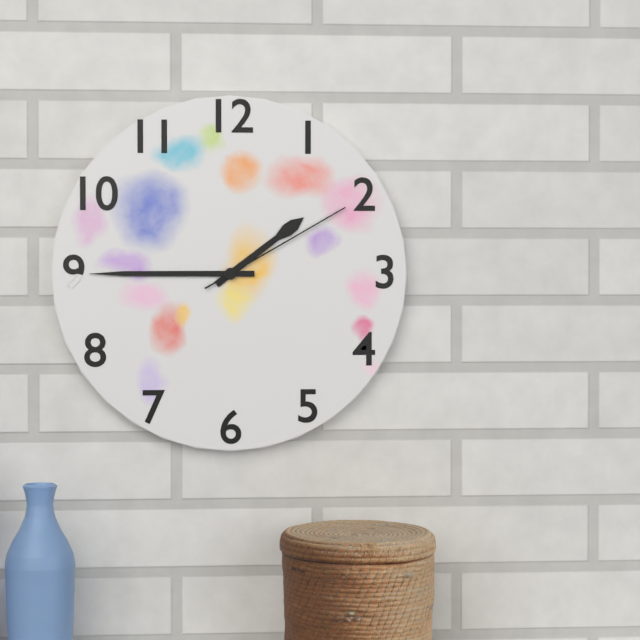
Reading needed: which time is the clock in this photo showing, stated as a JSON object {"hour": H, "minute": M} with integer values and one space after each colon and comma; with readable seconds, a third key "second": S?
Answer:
{"hour": 1, "minute": 45, "second": 10}
